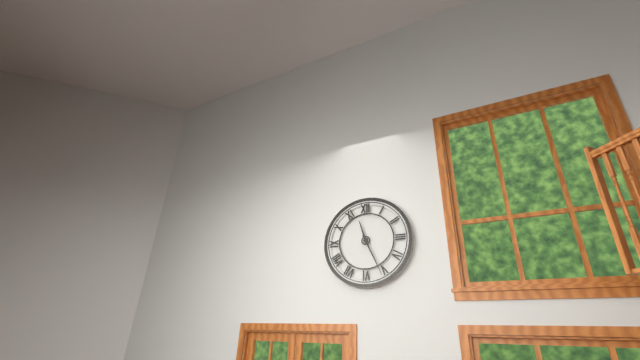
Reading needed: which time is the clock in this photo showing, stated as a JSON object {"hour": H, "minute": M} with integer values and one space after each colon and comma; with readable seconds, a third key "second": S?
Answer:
{"hour": 11, "minute": 26}
